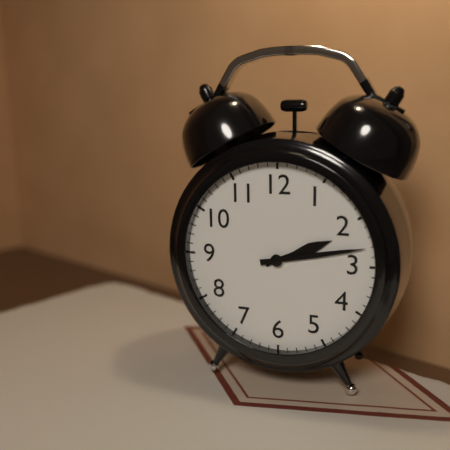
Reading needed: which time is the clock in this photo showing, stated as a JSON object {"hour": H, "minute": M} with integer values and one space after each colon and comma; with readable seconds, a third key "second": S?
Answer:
{"hour": 2, "minute": 13}
